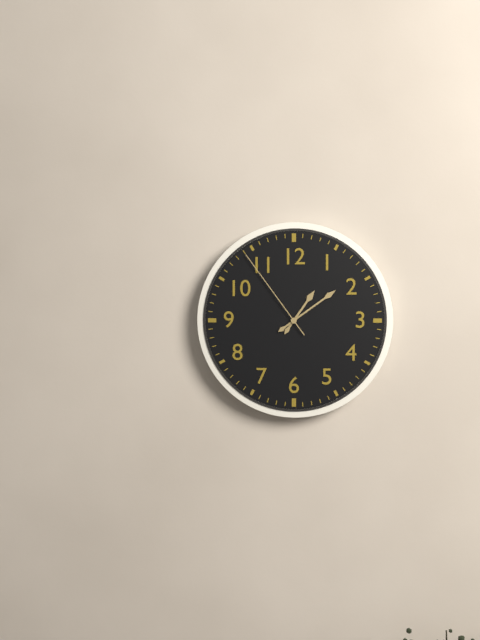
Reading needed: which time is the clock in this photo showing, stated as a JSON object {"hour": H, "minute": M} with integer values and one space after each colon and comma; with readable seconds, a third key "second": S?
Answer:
{"hour": 1, "minute": 9, "second": 54}
